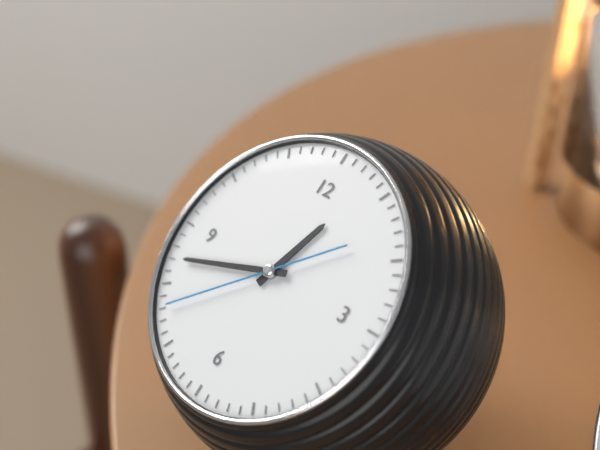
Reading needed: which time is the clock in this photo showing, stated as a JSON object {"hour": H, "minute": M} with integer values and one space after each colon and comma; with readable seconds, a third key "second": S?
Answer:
{"hour": 12, "minute": 42, "second": 38}
